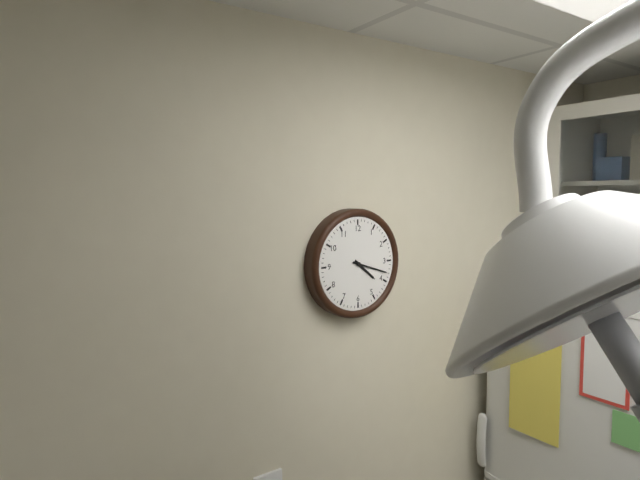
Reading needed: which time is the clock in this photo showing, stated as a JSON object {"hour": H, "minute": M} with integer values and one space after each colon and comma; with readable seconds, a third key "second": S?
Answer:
{"hour": 4, "minute": 18}
